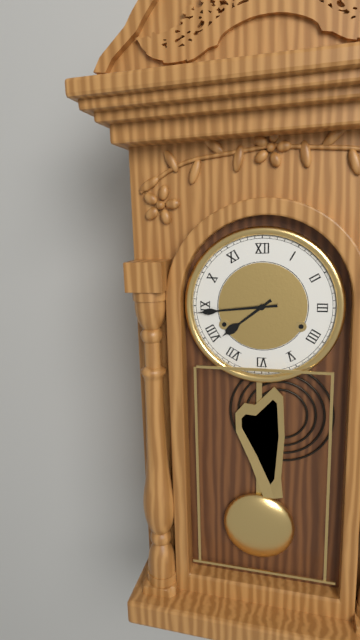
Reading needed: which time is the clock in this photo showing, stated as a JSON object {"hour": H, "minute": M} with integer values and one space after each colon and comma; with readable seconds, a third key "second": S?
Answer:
{"hour": 7, "minute": 44}
